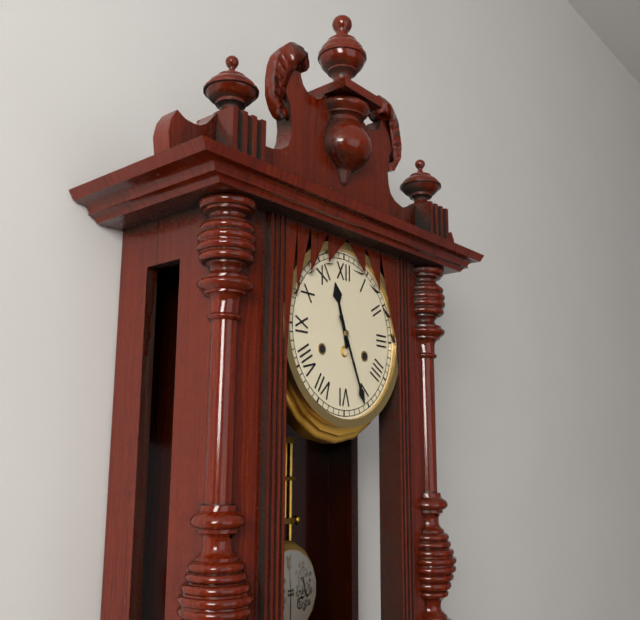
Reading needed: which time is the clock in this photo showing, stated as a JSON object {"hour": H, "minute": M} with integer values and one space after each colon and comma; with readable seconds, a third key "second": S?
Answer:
{"hour": 11, "minute": 26}
